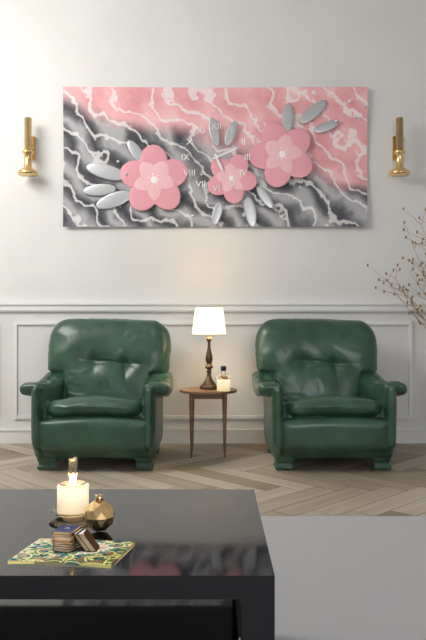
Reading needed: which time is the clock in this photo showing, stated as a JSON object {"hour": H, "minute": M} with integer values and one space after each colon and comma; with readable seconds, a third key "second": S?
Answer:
{"hour": 5, "minute": 11}
